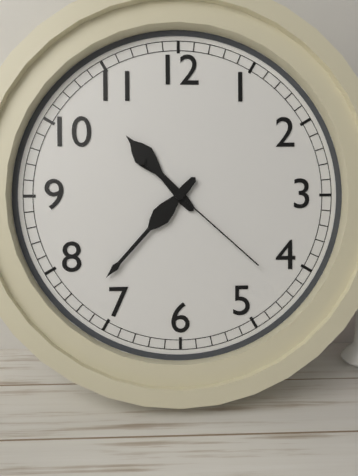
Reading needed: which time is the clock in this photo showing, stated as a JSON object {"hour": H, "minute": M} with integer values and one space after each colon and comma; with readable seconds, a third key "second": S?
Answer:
{"hour": 10, "minute": 37, "second": 22}
